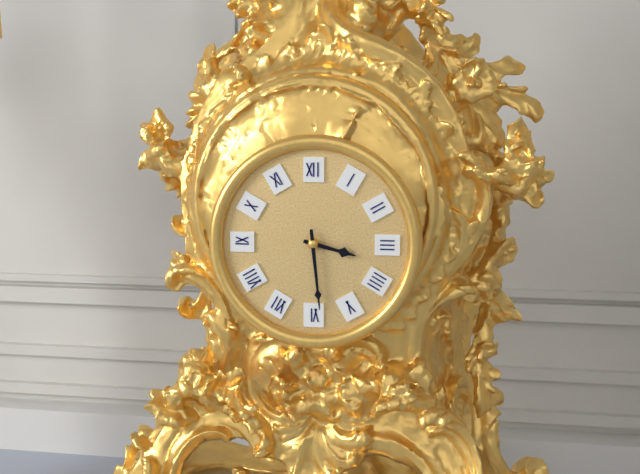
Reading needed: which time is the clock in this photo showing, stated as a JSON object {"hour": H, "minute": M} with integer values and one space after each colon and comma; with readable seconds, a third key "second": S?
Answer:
{"hour": 3, "minute": 29}
